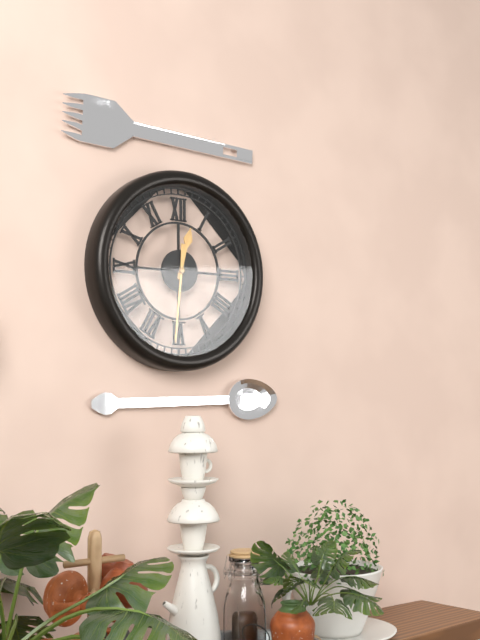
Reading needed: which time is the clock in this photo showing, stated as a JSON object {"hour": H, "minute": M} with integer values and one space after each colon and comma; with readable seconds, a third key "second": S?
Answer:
{"hour": 12, "minute": 31}
